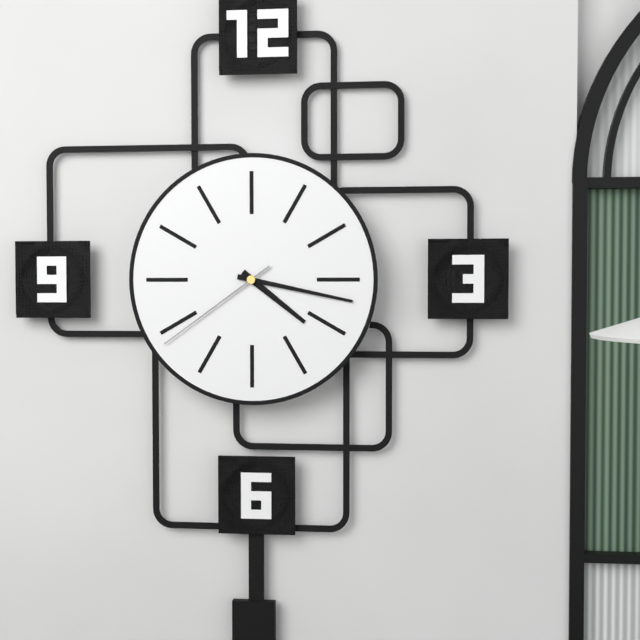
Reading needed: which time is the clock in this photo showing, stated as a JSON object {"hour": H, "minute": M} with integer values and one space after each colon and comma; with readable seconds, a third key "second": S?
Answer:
{"hour": 4, "minute": 17, "second": 39}
